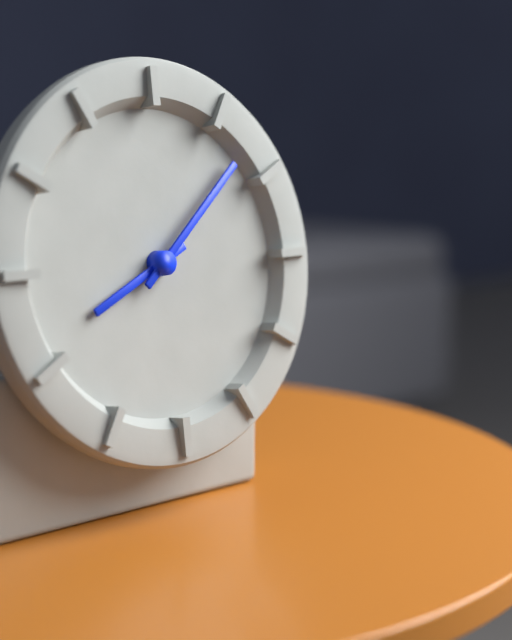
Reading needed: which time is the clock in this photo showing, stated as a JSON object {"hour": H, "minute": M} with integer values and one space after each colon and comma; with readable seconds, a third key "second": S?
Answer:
{"hour": 8, "minute": 8}
